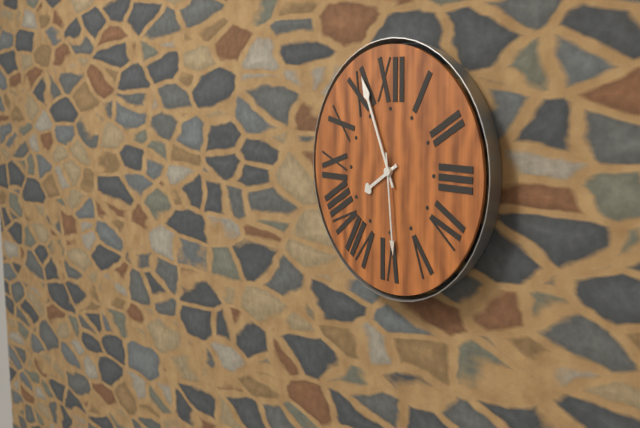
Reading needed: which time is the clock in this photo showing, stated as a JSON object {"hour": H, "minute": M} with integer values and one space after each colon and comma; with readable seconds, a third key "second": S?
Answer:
{"hour": 7, "minute": 56, "second": 29}
